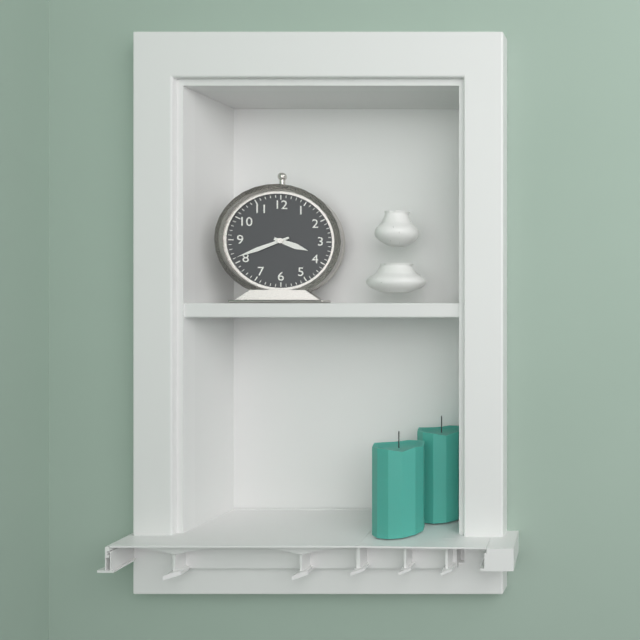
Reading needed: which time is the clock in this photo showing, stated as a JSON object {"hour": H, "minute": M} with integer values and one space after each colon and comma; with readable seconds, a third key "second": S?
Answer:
{"hour": 3, "minute": 41}
